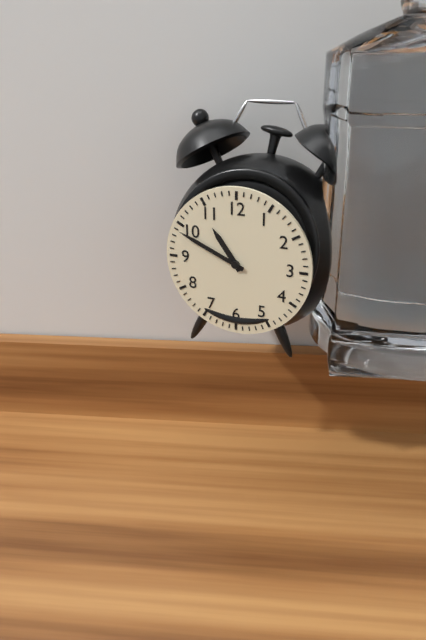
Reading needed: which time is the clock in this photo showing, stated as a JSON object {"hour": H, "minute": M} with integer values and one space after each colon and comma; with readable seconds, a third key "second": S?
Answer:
{"hour": 10, "minute": 49}
